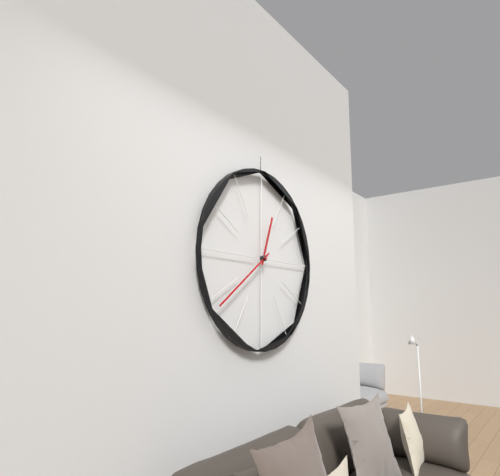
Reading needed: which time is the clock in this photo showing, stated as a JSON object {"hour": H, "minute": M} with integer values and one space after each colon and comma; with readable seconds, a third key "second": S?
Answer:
{"hour": 12, "minute": 39}
